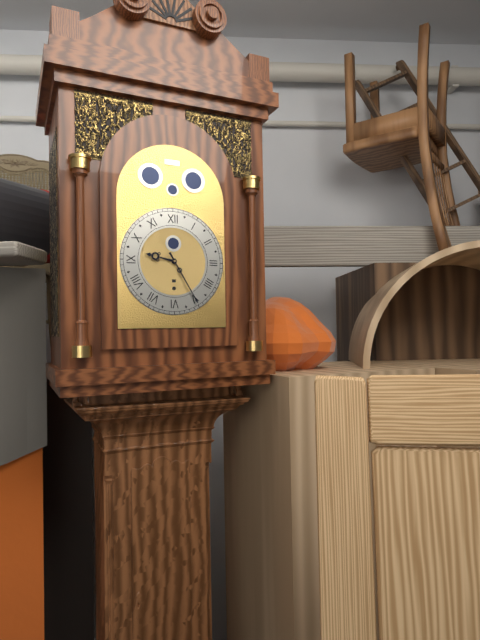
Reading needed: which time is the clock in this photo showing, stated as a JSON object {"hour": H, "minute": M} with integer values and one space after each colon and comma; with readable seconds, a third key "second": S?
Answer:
{"hour": 9, "minute": 25}
